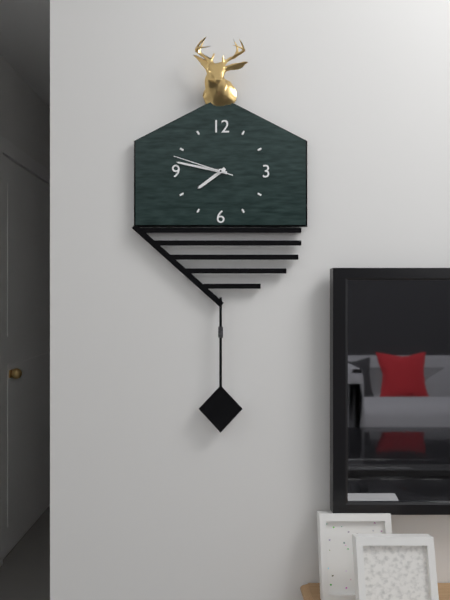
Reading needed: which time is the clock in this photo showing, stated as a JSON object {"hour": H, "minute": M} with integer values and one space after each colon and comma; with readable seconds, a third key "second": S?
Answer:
{"hour": 7, "minute": 47, "second": 48}
